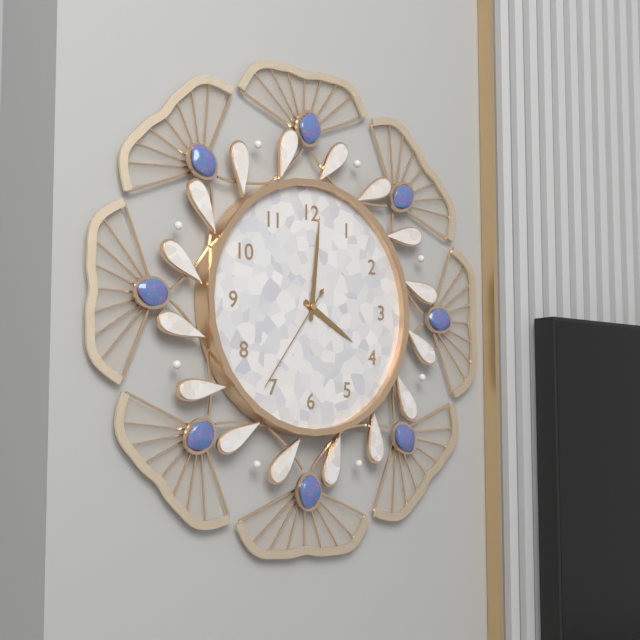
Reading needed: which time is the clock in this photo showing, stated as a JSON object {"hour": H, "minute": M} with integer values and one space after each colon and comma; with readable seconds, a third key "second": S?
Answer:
{"hour": 4, "minute": 1, "second": 36}
